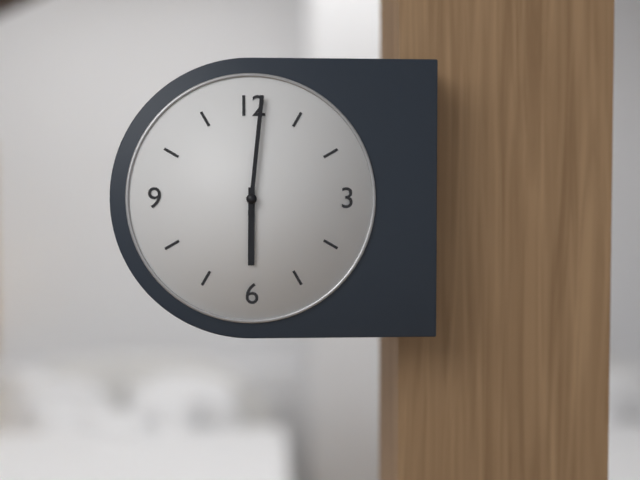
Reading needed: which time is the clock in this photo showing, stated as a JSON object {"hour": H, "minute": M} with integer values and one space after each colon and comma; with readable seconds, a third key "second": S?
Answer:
{"hour": 6, "minute": 1}
